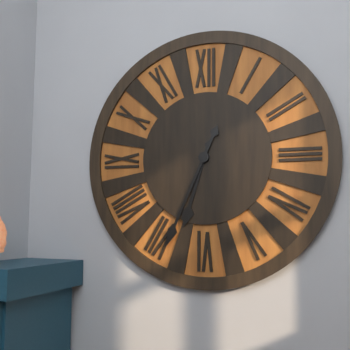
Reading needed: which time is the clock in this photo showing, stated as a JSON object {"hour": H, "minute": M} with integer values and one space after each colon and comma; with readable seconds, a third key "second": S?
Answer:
{"hour": 6, "minute": 34}
